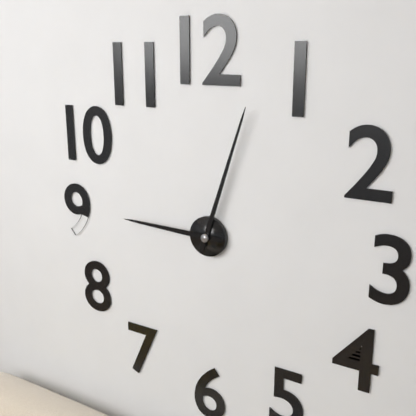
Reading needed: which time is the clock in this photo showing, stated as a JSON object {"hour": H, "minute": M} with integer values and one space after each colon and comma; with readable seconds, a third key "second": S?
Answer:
{"hour": 9, "minute": 3}
